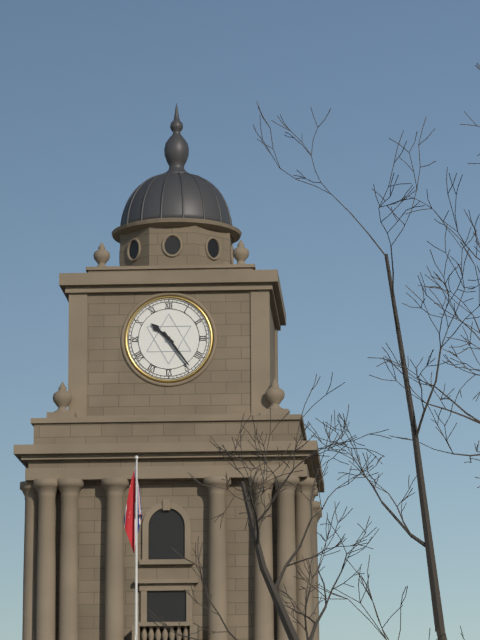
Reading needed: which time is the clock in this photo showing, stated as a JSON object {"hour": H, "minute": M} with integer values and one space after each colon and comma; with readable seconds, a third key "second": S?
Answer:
{"hour": 10, "minute": 24}
